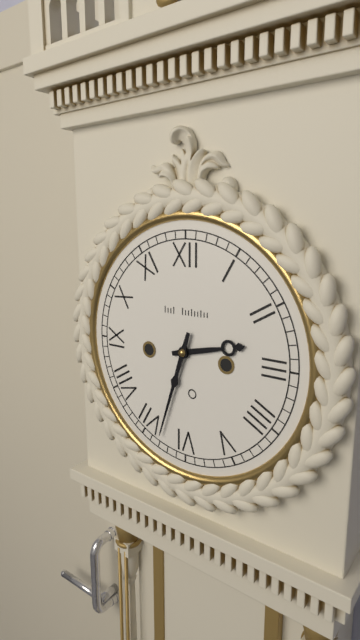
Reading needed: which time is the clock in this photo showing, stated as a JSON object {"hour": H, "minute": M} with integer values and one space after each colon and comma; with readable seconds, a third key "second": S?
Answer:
{"hour": 2, "minute": 33}
